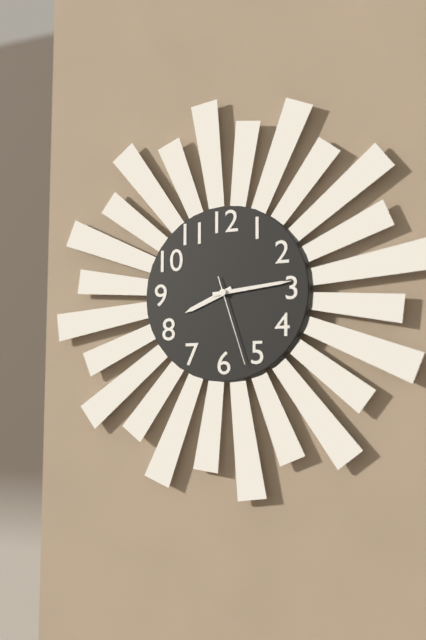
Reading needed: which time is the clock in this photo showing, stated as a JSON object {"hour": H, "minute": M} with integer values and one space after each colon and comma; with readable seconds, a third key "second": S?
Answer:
{"hour": 8, "minute": 14, "second": 27}
